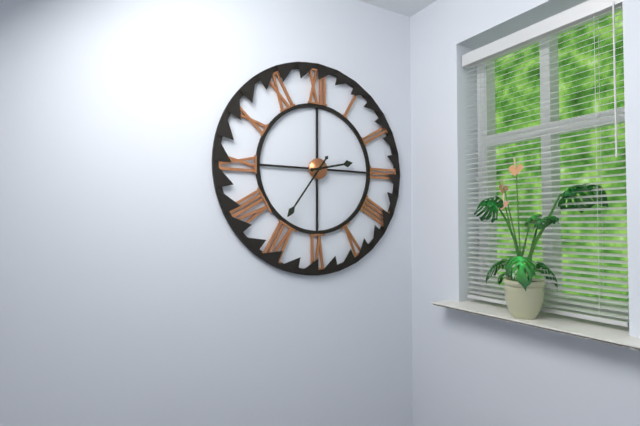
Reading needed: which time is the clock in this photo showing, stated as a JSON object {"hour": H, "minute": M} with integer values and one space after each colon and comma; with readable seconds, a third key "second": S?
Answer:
{"hour": 2, "minute": 36}
